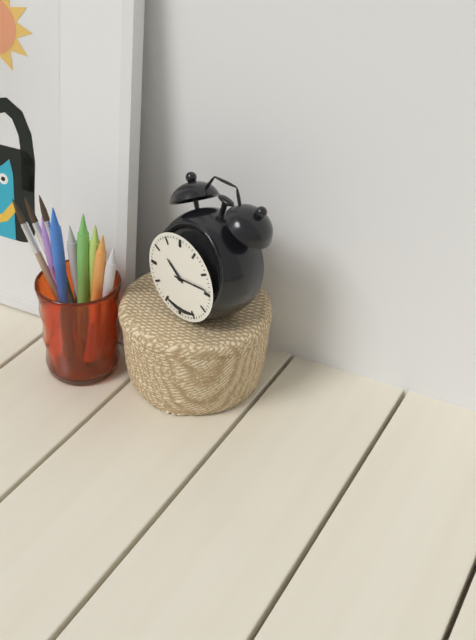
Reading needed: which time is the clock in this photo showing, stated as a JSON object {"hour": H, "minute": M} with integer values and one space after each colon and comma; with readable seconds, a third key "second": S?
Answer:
{"hour": 10, "minute": 14}
